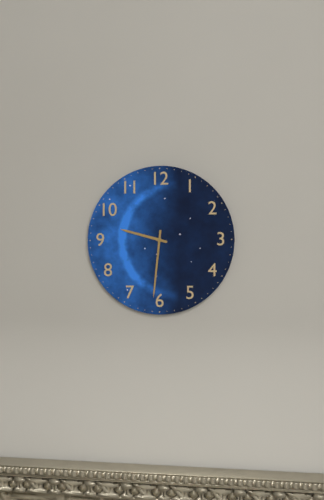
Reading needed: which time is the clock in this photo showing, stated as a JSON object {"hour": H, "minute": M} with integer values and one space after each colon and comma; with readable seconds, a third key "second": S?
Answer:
{"hour": 9, "minute": 31}
